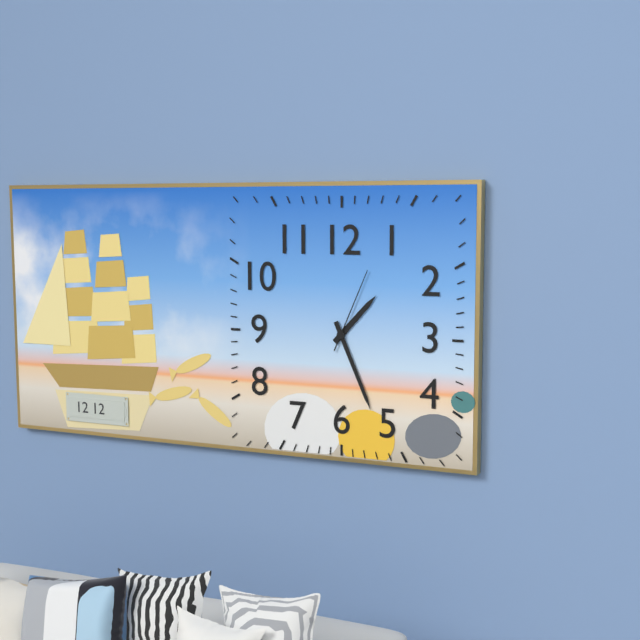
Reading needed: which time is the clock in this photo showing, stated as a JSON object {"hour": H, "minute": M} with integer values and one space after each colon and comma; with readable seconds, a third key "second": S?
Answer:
{"hour": 1, "minute": 26, "second": 4}
